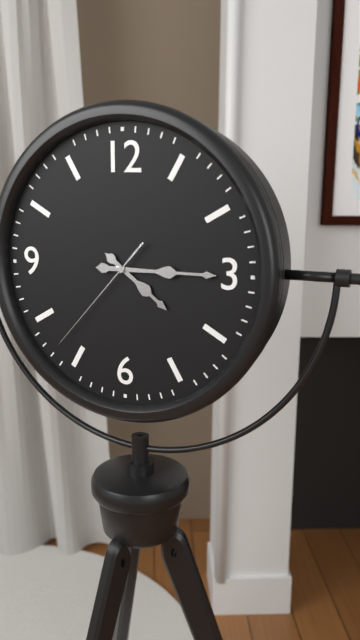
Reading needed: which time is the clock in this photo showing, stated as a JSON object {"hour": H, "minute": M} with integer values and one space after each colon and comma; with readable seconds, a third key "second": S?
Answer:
{"hour": 4, "minute": 15, "second": 37}
